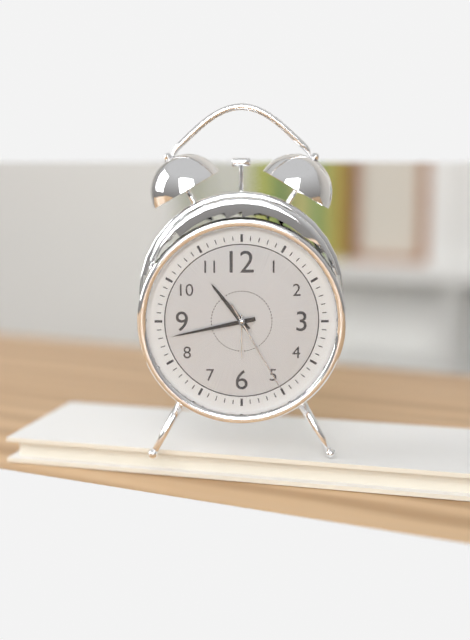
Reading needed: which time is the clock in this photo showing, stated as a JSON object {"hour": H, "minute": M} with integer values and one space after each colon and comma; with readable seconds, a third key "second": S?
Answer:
{"hour": 10, "minute": 43, "second": 25}
